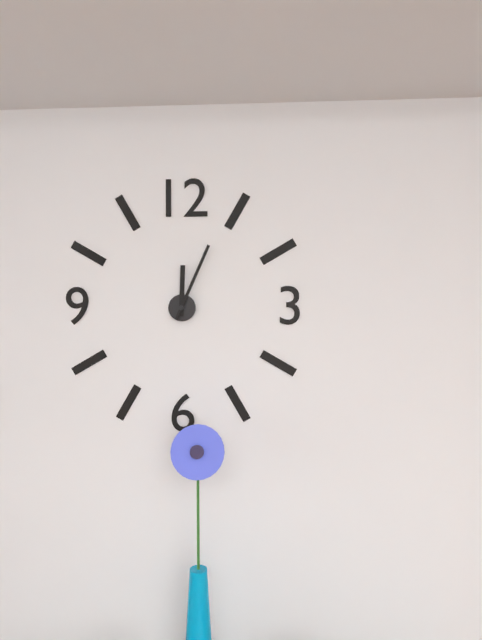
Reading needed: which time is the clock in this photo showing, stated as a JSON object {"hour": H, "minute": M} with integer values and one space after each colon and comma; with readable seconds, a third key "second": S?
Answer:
{"hour": 12, "minute": 4}
